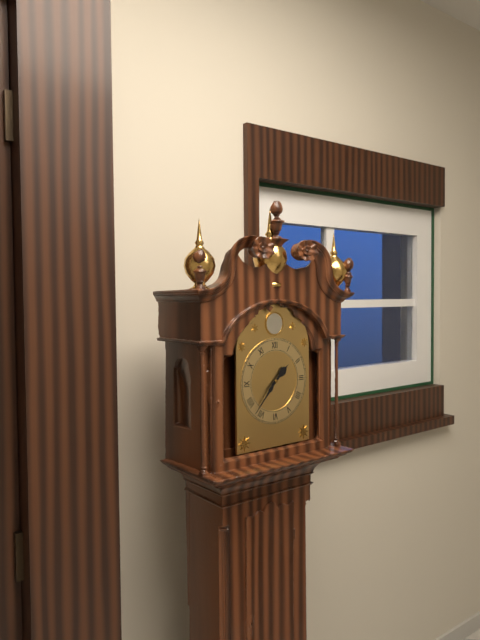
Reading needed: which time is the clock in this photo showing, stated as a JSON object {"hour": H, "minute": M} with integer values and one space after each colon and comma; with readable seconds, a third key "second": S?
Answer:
{"hour": 1, "minute": 37}
